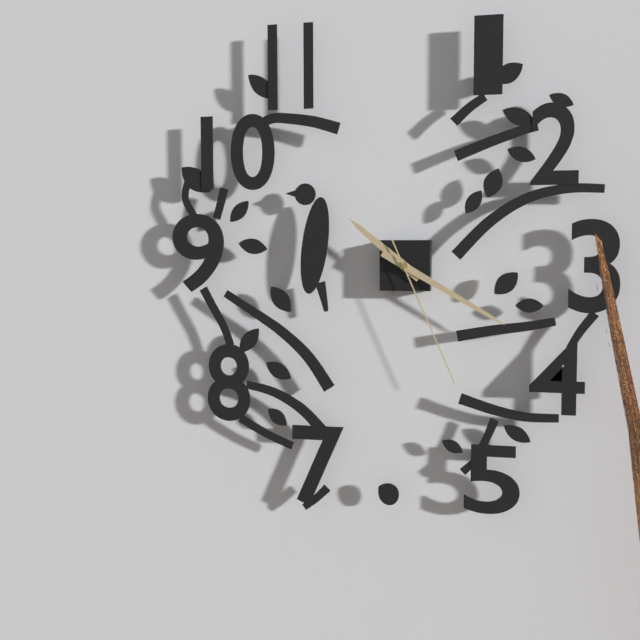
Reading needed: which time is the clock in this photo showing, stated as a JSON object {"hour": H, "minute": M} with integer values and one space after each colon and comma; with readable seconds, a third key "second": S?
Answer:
{"hour": 10, "minute": 20, "second": 26}
